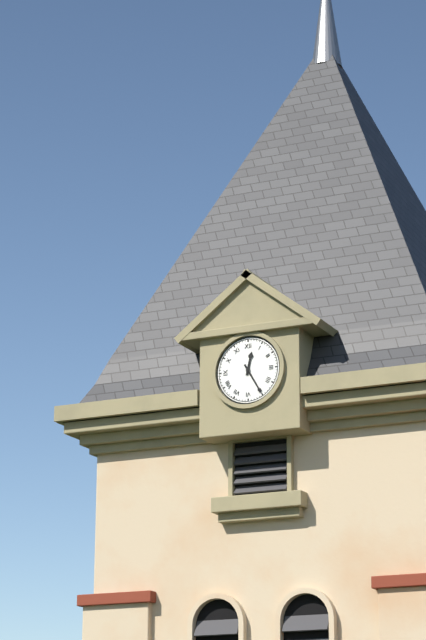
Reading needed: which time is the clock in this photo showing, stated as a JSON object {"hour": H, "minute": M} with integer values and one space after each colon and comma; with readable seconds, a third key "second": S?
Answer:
{"hour": 12, "minute": 25}
